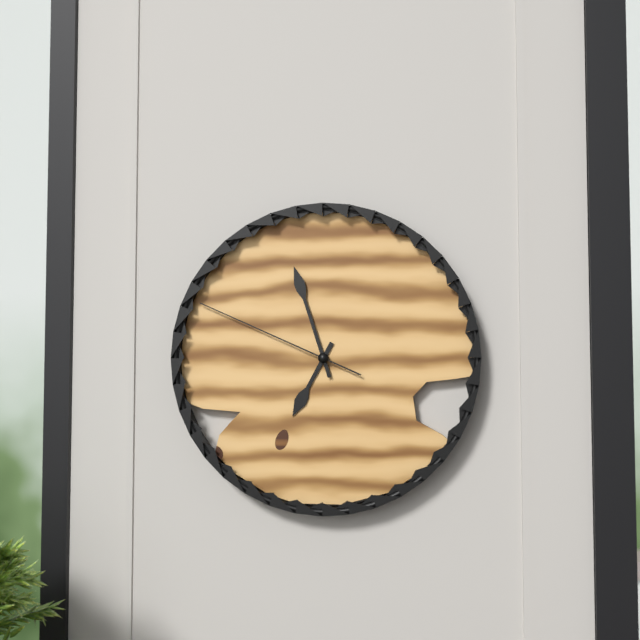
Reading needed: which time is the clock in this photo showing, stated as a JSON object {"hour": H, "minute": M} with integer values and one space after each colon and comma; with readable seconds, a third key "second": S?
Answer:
{"hour": 6, "minute": 57, "second": 49}
